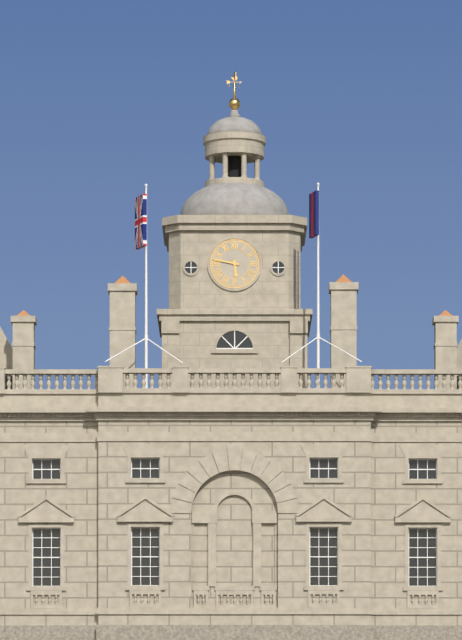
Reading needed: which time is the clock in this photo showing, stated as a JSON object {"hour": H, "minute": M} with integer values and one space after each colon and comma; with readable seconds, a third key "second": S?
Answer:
{"hour": 5, "minute": 47}
